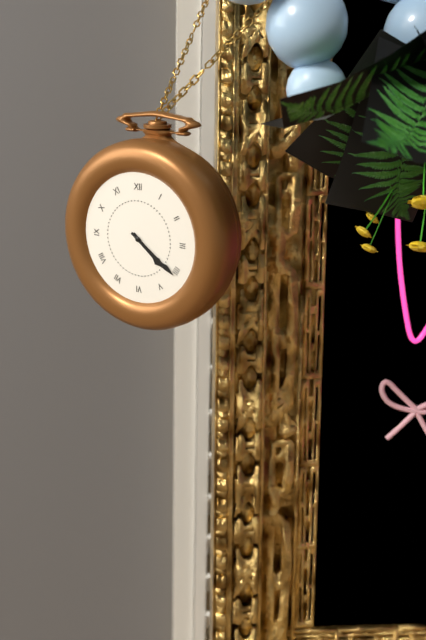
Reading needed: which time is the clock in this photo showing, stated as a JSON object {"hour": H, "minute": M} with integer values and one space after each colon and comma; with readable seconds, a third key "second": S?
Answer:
{"hour": 4, "minute": 21}
